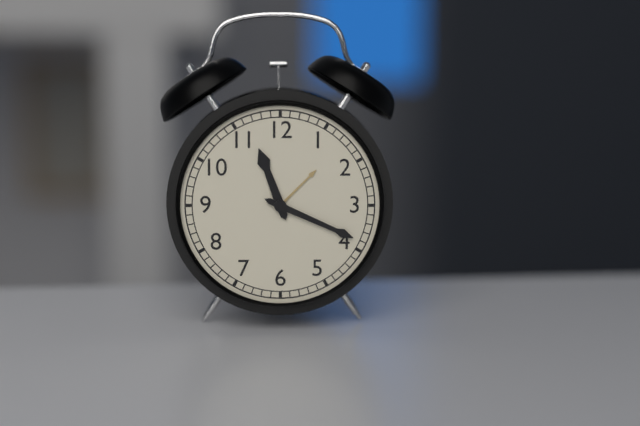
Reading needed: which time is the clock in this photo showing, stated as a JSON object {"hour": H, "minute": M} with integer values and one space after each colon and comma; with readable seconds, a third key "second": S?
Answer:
{"hour": 11, "minute": 19}
